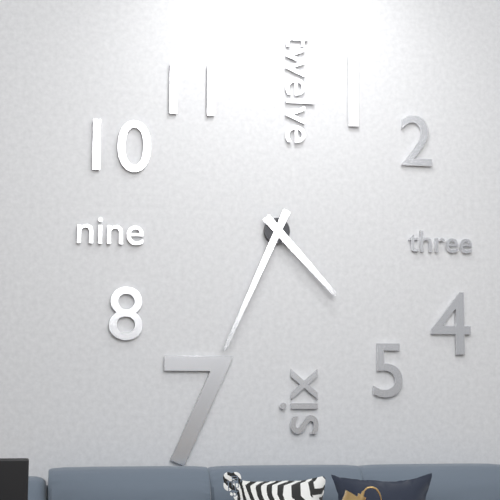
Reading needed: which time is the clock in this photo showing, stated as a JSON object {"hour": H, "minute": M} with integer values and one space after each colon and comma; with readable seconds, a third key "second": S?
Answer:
{"hour": 4, "minute": 34}
